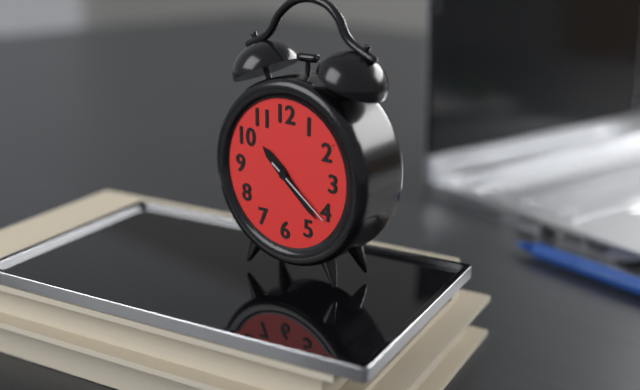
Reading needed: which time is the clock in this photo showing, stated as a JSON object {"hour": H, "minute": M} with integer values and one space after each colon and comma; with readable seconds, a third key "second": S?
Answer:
{"hour": 10, "minute": 22, "second": 21}
